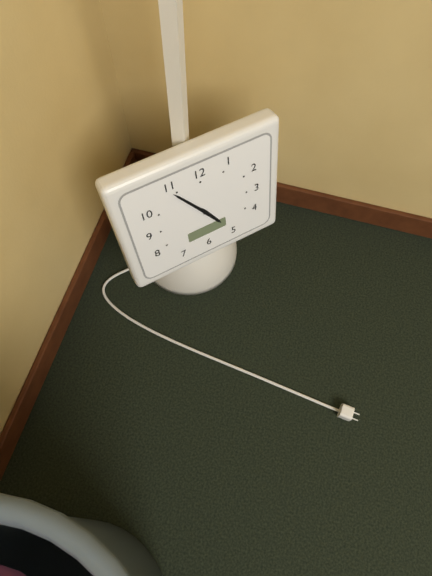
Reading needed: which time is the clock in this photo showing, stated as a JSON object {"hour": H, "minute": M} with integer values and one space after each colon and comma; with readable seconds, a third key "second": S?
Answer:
{"hour": 4, "minute": 54}
